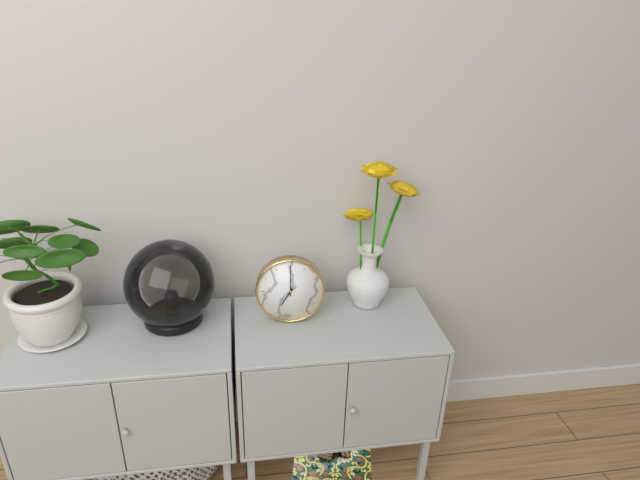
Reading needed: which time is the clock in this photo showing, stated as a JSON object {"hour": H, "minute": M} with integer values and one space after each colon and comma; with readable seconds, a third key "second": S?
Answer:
{"hour": 7, "minute": 0}
